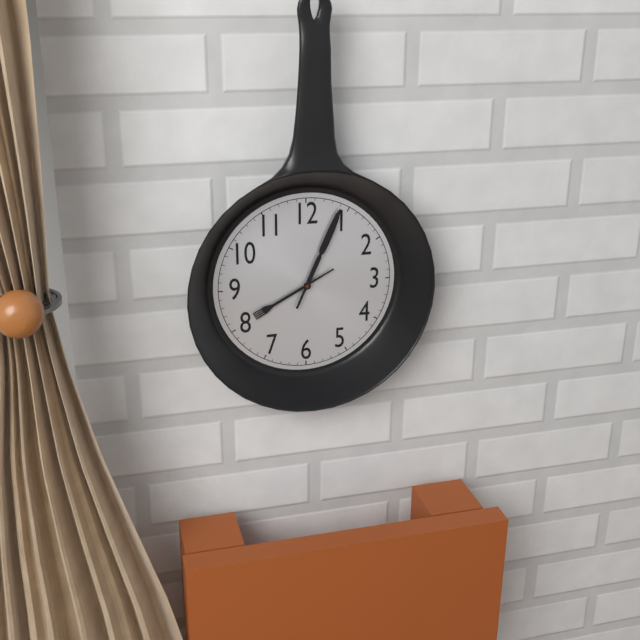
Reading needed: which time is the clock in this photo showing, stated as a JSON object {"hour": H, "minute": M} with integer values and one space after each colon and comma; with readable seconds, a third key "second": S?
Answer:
{"hour": 8, "minute": 4}
